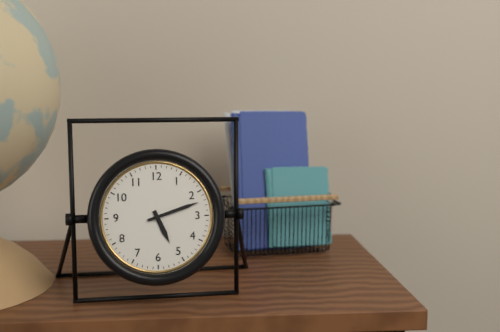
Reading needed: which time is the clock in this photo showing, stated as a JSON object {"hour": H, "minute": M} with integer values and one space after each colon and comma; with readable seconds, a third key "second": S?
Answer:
{"hour": 5, "minute": 12}
